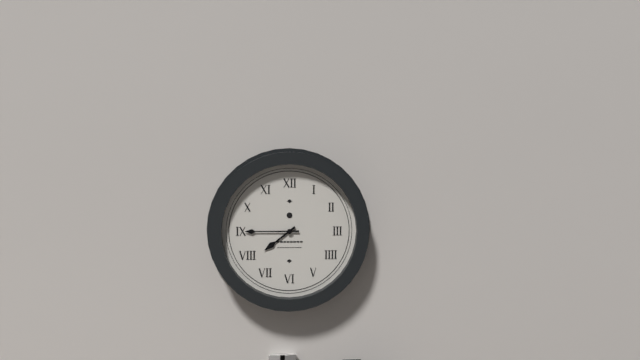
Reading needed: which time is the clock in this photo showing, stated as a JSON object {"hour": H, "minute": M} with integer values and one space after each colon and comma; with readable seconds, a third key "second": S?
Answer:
{"hour": 7, "minute": 45}
